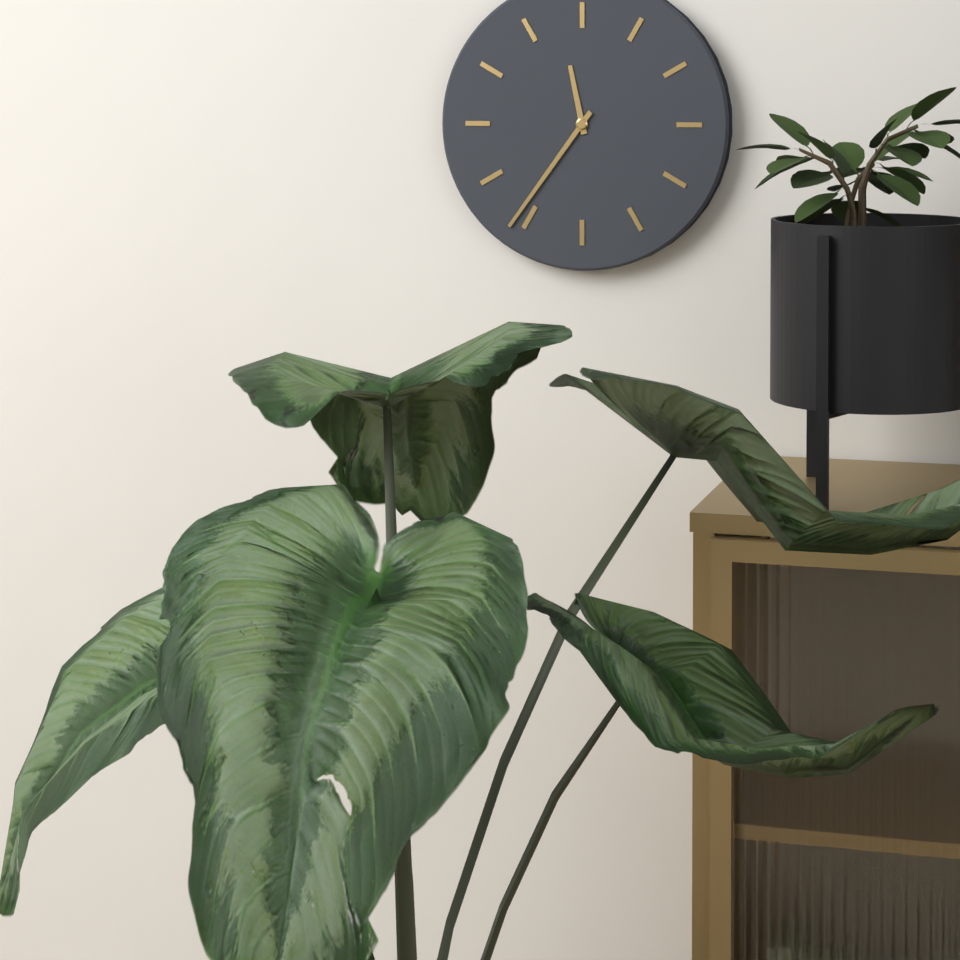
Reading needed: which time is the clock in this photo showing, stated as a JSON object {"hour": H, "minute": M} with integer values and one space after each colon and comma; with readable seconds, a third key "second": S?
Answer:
{"hour": 11, "minute": 36}
